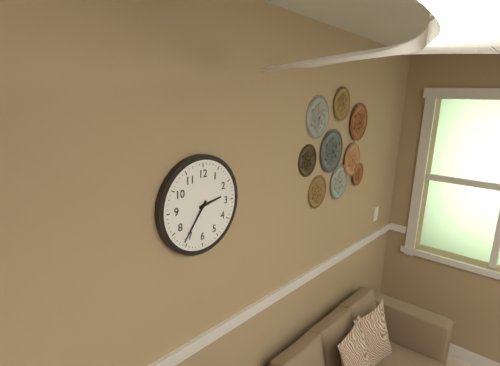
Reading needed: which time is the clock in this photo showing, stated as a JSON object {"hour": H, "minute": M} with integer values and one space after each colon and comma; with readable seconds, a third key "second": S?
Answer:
{"hour": 2, "minute": 36}
